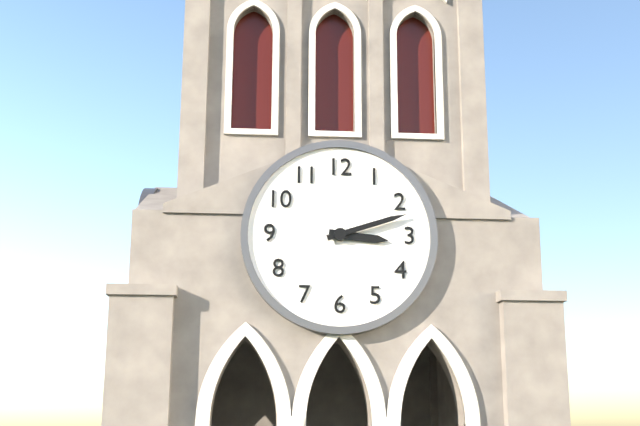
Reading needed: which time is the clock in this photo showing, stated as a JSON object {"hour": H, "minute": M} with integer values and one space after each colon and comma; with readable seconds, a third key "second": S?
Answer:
{"hour": 3, "minute": 12}
